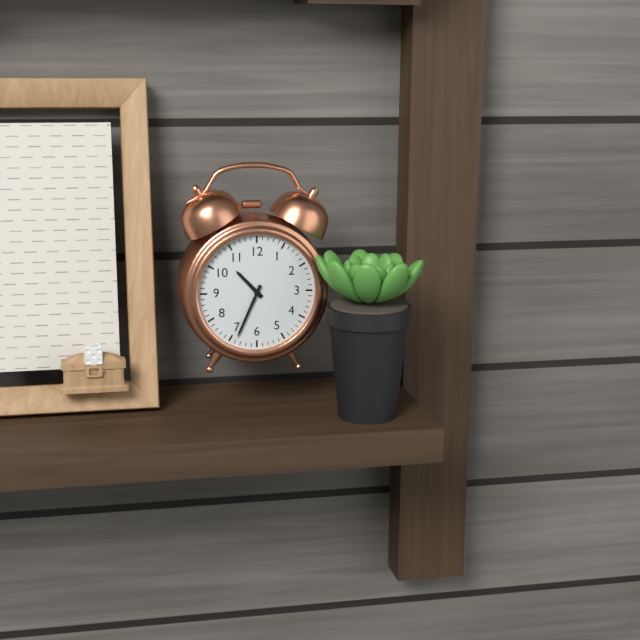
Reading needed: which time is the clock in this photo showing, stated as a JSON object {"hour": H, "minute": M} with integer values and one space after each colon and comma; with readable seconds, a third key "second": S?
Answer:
{"hour": 10, "minute": 34}
